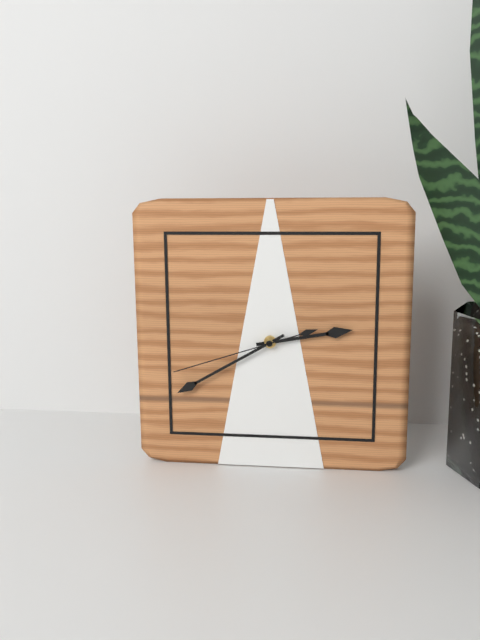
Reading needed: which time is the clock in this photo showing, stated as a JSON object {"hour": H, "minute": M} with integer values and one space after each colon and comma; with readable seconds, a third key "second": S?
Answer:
{"hour": 2, "minute": 40, "second": 42}
